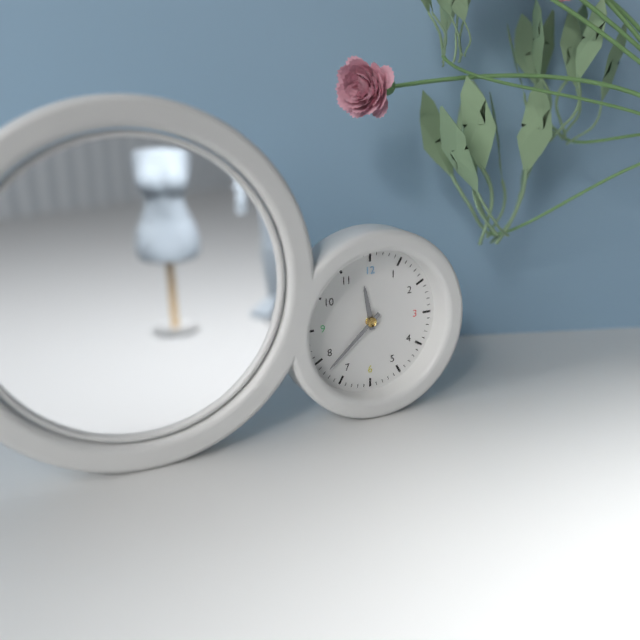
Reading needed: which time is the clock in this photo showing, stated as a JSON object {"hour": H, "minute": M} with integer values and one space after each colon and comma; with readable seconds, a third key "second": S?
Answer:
{"hour": 11, "minute": 38}
